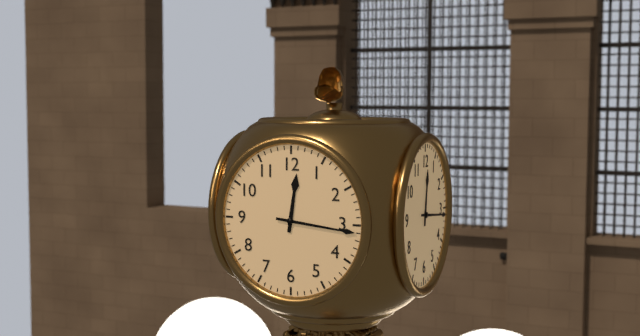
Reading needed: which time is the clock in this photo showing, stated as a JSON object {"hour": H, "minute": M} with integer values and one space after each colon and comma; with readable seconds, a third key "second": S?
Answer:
{"hour": 12, "minute": 16}
